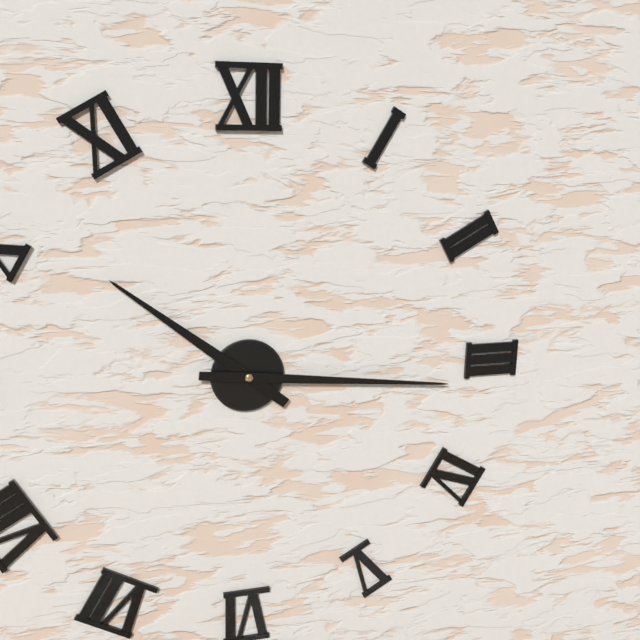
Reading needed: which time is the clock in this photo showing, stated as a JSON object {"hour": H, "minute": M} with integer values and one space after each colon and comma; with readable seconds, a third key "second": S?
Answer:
{"hour": 10, "minute": 16}
